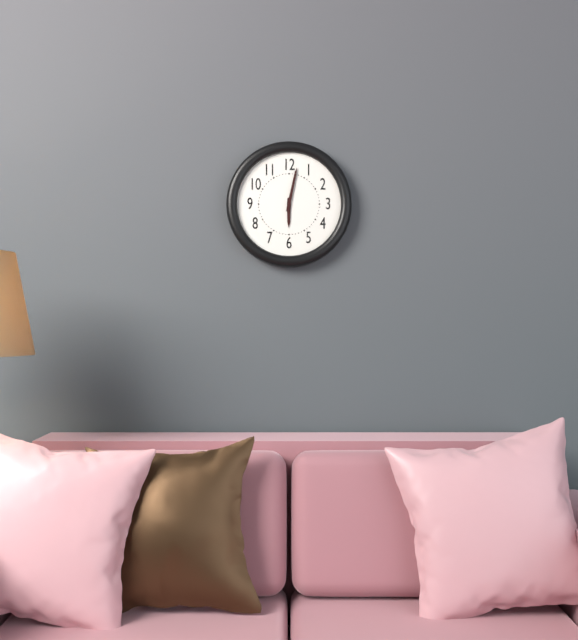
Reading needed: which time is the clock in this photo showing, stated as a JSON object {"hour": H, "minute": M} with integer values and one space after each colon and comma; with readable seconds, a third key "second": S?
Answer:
{"hour": 6, "minute": 2}
